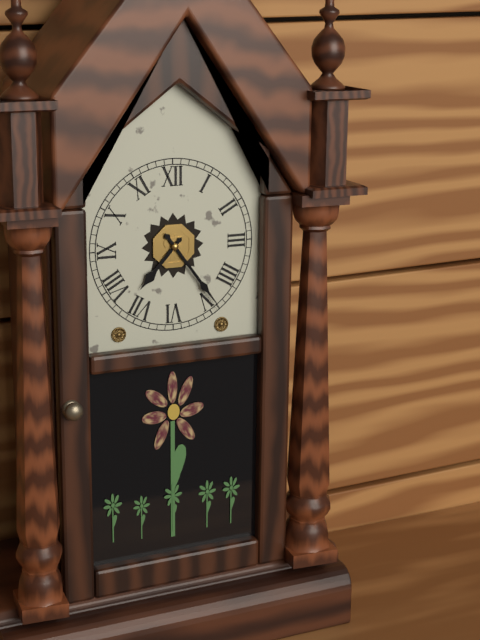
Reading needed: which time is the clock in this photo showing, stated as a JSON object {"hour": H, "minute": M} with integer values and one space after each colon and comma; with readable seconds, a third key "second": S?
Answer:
{"hour": 7, "minute": 24}
